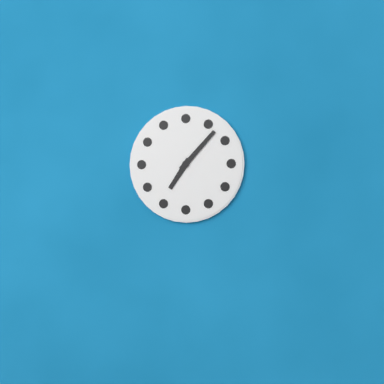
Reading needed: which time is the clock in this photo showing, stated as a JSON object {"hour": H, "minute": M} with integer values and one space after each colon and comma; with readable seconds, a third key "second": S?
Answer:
{"hour": 7, "minute": 7}
